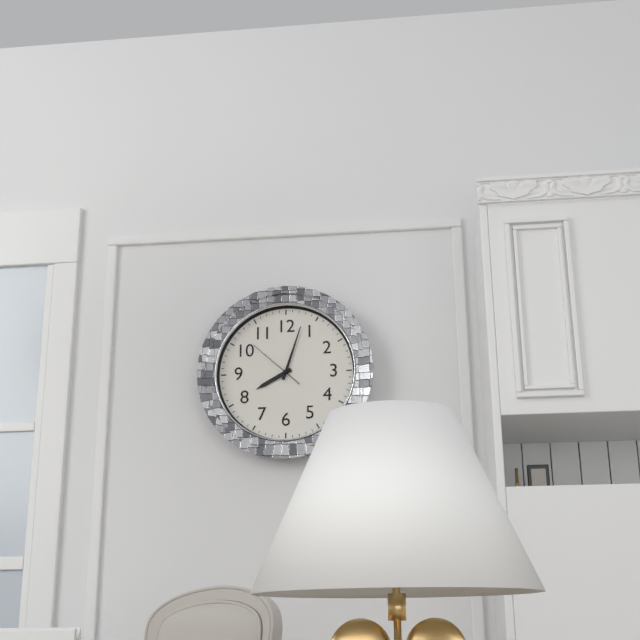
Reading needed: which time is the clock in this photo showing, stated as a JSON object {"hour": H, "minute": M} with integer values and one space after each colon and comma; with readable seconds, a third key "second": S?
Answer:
{"hour": 8, "minute": 3, "second": 52}
